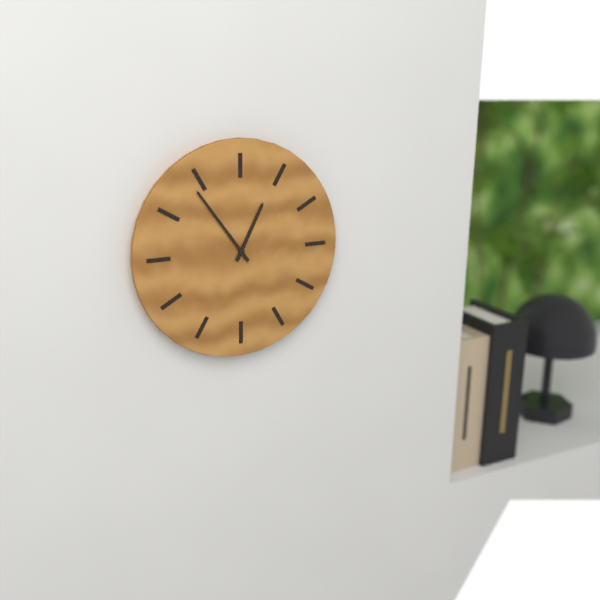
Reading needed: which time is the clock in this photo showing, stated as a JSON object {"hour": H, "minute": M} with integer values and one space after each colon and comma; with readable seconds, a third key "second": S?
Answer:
{"hour": 12, "minute": 54}
